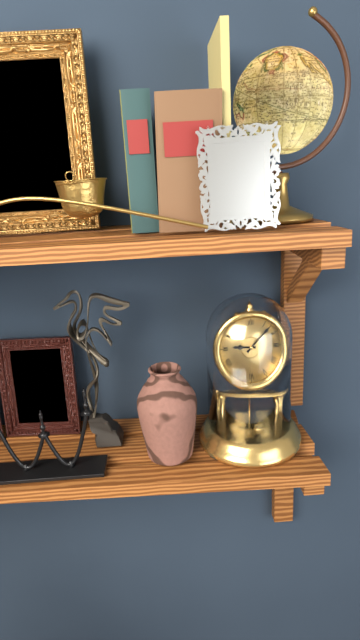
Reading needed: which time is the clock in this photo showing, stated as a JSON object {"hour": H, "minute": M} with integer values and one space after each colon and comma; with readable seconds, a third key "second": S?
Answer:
{"hour": 9, "minute": 7}
